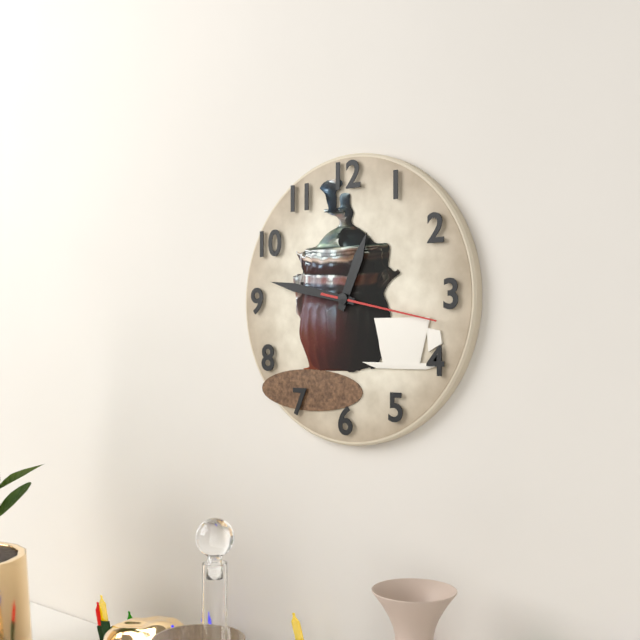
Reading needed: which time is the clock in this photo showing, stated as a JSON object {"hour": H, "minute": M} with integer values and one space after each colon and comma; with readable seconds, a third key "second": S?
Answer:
{"hour": 12, "minute": 47, "second": 17}
